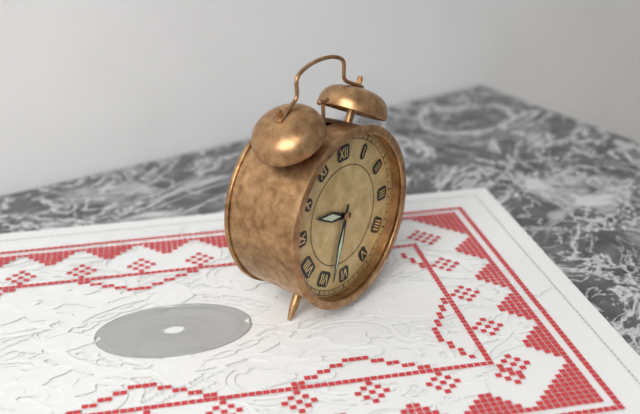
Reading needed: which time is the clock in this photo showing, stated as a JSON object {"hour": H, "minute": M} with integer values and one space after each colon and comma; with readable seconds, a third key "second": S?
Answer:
{"hour": 9, "minute": 33}
